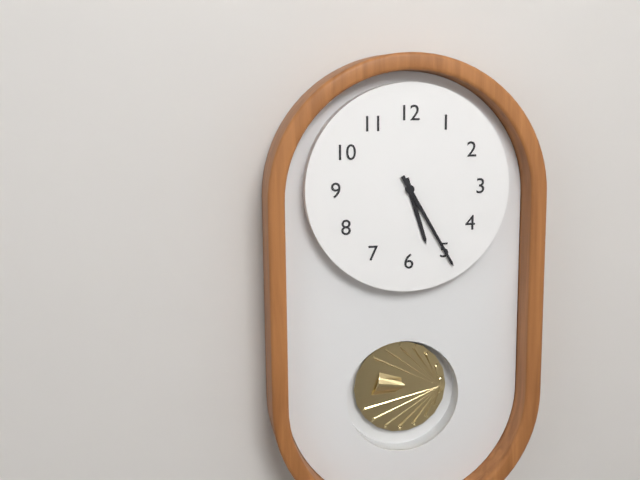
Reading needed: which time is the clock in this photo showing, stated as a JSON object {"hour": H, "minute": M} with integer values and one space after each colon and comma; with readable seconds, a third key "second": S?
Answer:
{"hour": 5, "minute": 25}
